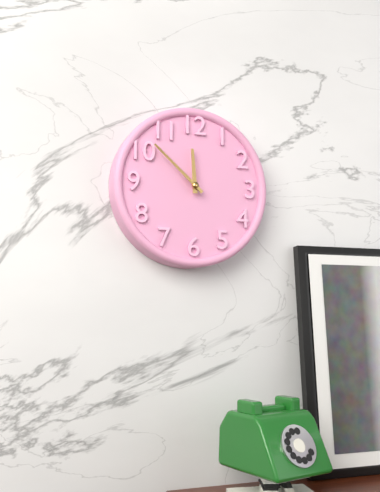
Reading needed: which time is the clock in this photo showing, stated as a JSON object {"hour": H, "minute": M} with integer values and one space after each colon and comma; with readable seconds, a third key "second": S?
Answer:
{"hour": 11, "minute": 52}
